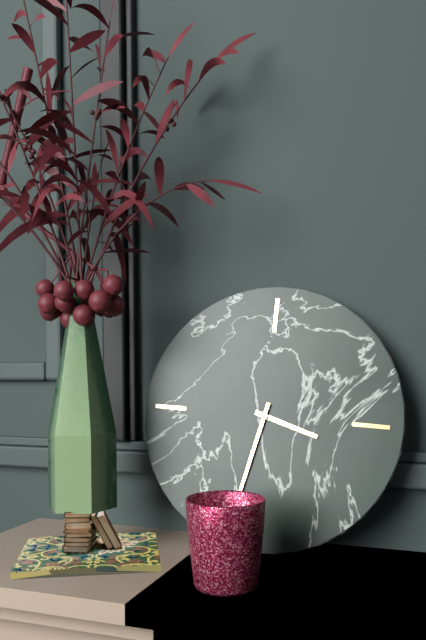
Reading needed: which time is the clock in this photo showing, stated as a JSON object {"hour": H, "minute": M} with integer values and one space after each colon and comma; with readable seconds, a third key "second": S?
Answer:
{"hour": 3, "minute": 32}
